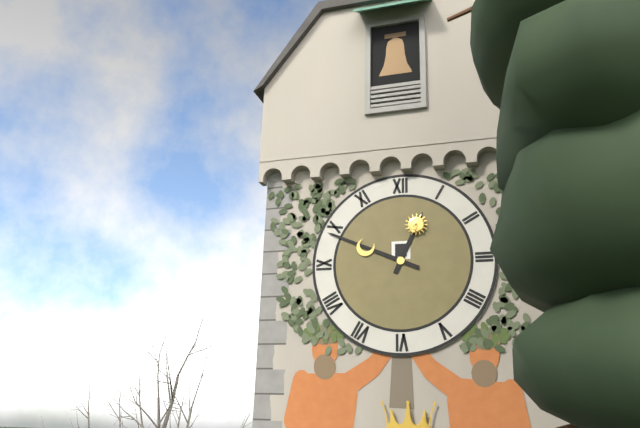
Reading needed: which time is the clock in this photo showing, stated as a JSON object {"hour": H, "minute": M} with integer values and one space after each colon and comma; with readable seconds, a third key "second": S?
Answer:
{"hour": 12, "minute": 49}
